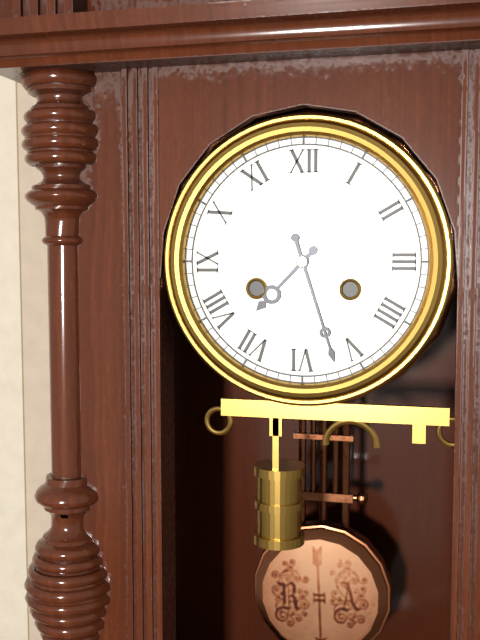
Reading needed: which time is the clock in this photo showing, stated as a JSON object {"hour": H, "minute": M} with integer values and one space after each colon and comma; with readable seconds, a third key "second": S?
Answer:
{"hour": 7, "minute": 27}
